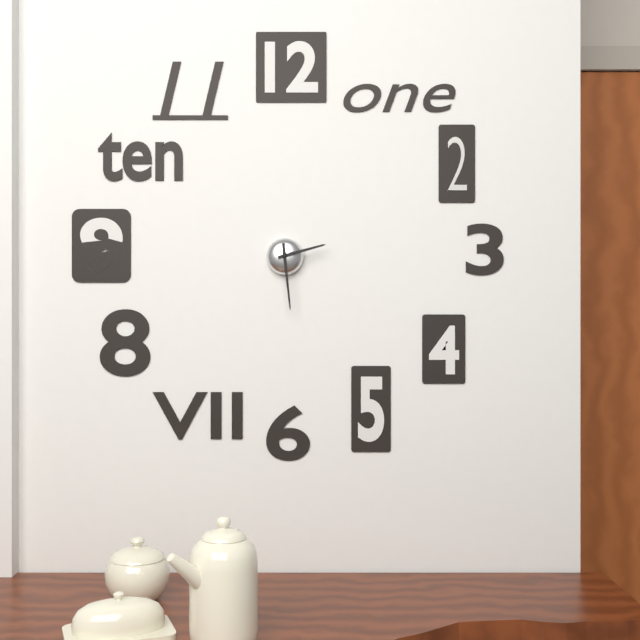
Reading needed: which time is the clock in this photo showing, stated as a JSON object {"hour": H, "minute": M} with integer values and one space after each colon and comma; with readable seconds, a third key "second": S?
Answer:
{"hour": 2, "minute": 29}
